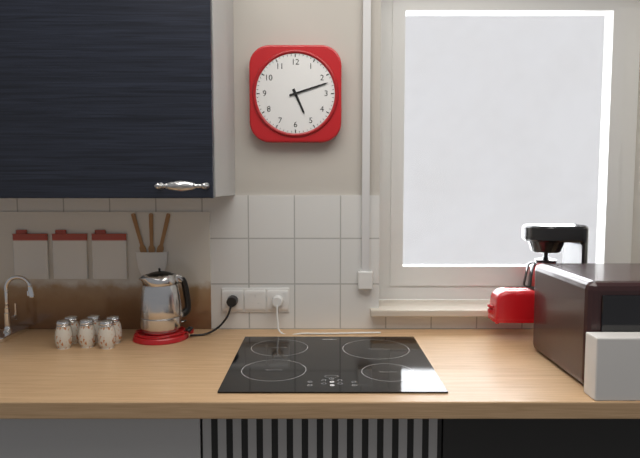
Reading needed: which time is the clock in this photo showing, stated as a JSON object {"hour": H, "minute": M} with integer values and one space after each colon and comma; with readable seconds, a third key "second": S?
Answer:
{"hour": 5, "minute": 12}
